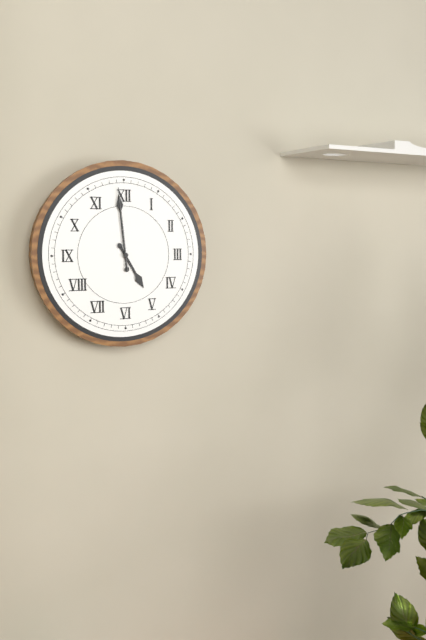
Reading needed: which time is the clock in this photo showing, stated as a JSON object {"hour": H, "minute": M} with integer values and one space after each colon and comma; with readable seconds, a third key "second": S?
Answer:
{"hour": 4, "minute": 59, "second": 59}
